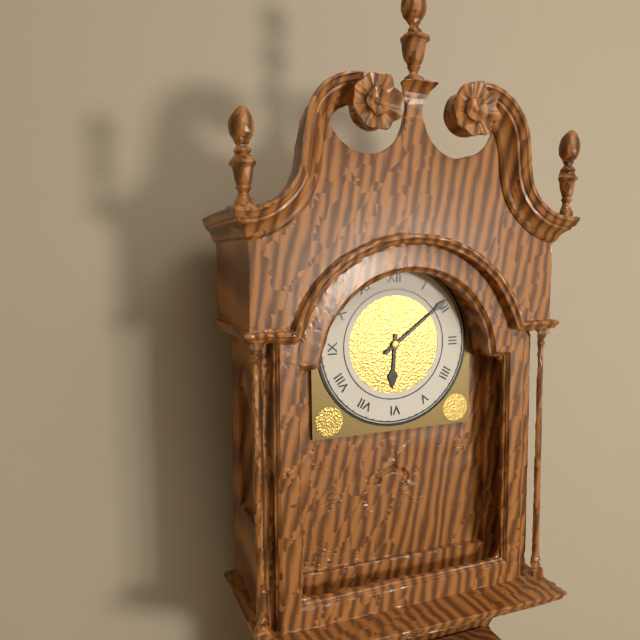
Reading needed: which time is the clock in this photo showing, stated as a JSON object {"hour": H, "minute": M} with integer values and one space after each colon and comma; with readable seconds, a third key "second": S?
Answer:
{"hour": 6, "minute": 9}
